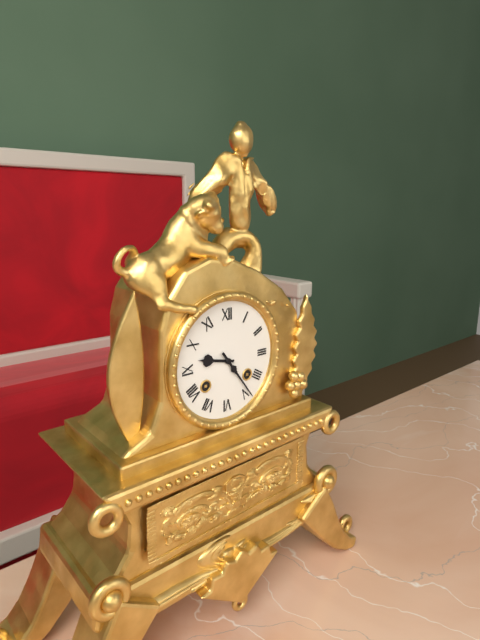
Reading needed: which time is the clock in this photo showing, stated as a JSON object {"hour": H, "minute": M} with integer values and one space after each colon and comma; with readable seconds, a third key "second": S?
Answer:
{"hour": 9, "minute": 24}
